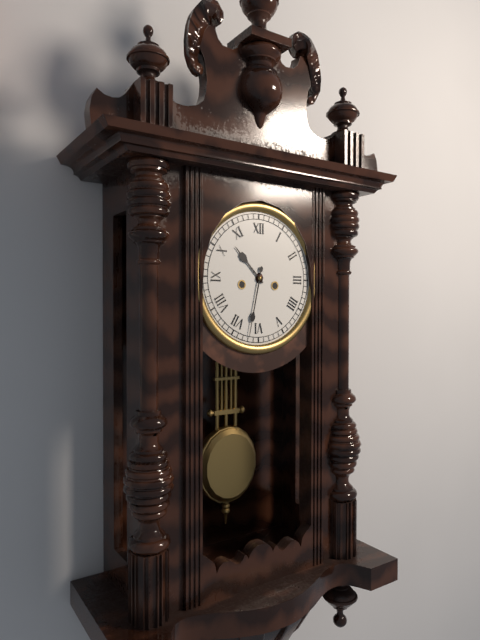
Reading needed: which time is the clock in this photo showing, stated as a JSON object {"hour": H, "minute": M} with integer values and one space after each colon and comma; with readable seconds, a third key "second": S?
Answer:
{"hour": 10, "minute": 32}
